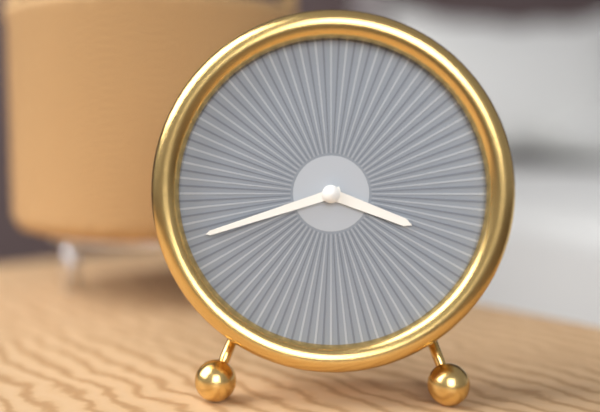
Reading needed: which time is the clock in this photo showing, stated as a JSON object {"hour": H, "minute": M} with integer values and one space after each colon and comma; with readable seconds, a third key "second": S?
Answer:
{"hour": 3, "minute": 42}
